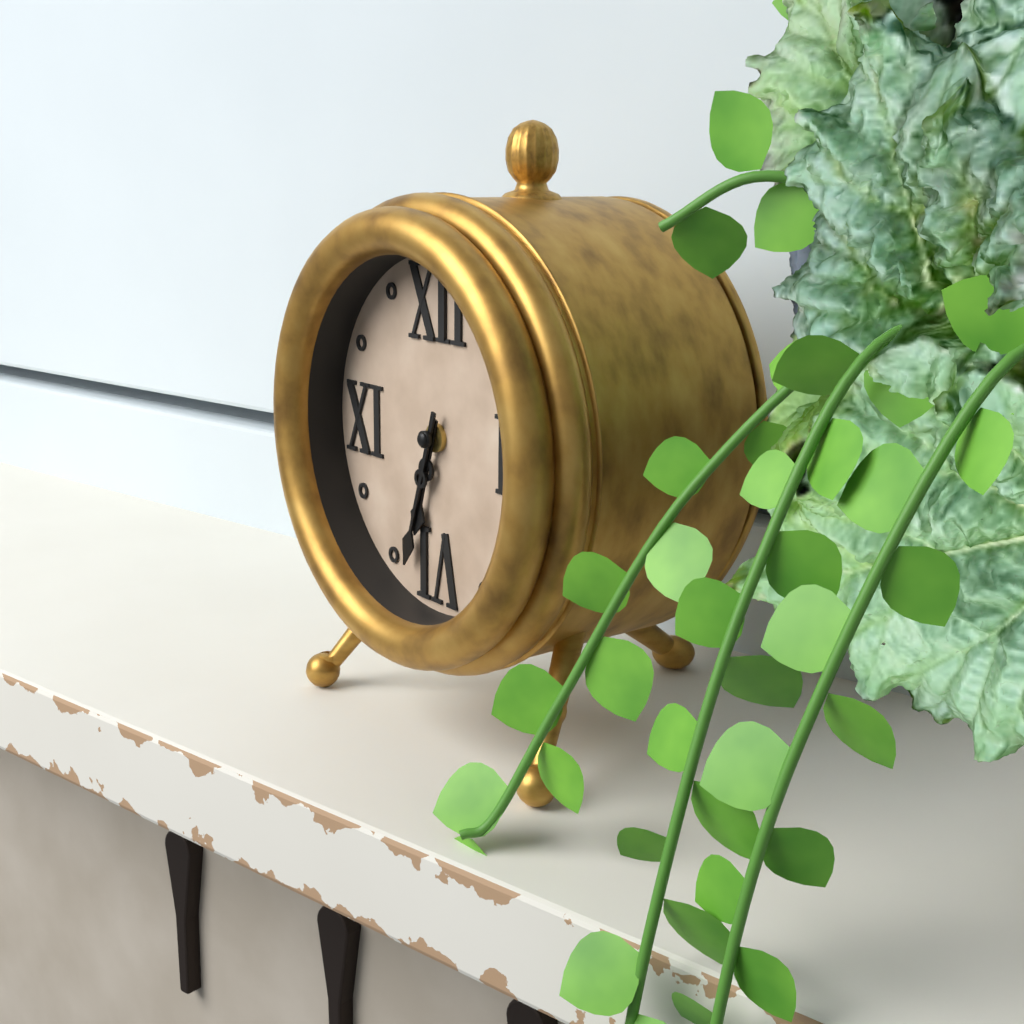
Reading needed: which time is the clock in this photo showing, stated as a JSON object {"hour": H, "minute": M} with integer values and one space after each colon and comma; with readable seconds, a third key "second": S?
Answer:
{"hour": 6, "minute": 33}
